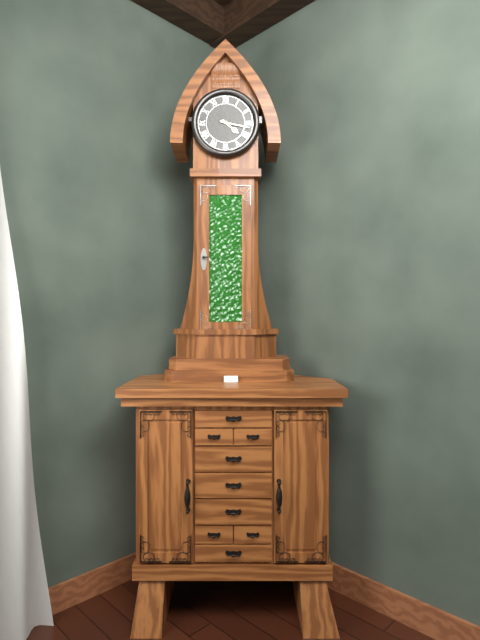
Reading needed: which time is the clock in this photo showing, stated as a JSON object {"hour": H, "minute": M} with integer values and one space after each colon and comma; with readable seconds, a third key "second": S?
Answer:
{"hour": 4, "minute": 17}
